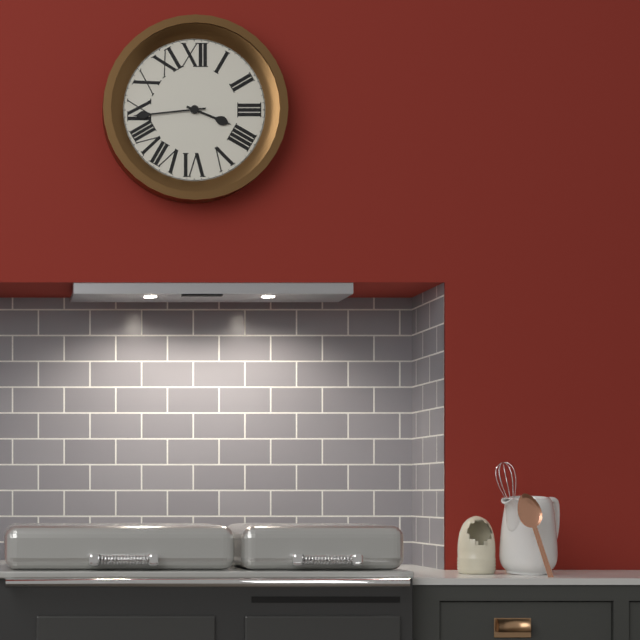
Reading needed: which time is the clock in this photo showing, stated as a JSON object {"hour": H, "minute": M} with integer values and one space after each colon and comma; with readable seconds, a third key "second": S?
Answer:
{"hour": 3, "minute": 44}
